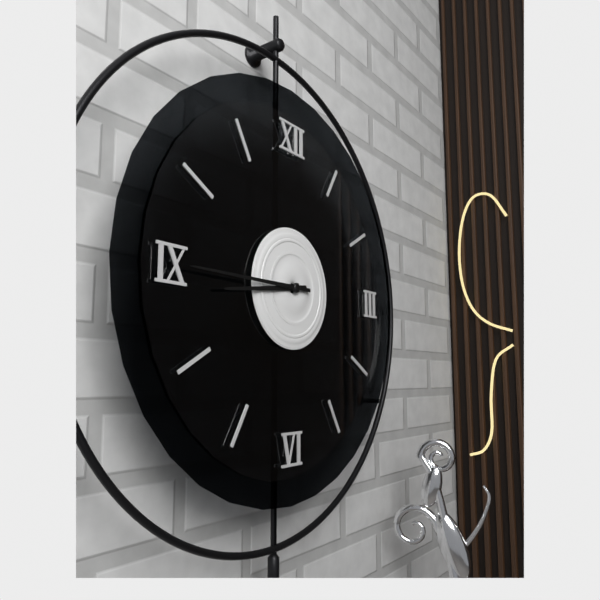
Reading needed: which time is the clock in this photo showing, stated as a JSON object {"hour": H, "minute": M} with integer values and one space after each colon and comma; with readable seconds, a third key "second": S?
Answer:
{"hour": 8, "minute": 45}
